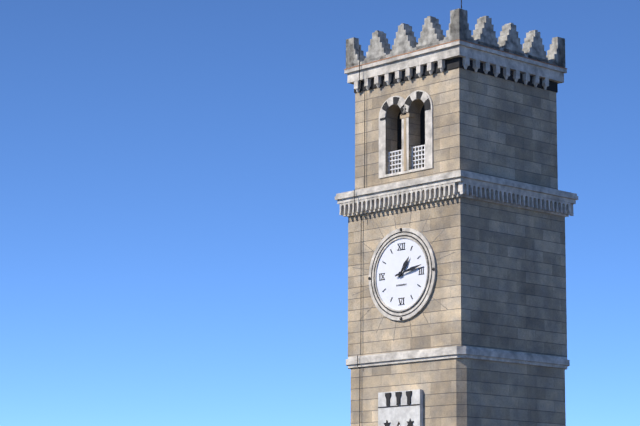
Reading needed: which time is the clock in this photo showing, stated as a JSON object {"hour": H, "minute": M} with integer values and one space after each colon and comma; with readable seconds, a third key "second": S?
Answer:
{"hour": 1, "minute": 13}
